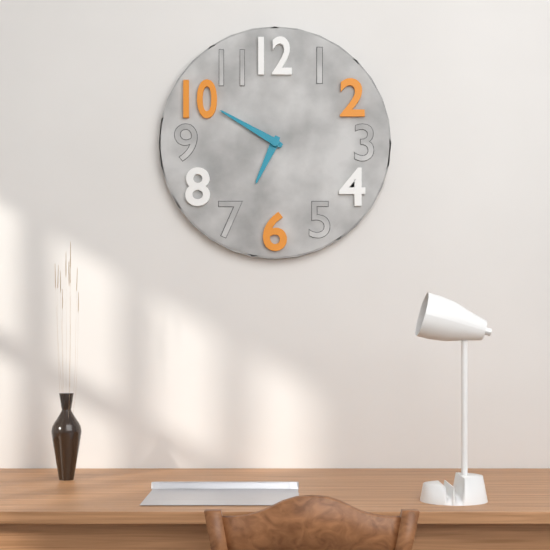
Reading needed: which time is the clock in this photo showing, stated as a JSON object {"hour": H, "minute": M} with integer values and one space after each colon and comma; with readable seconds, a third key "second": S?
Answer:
{"hour": 6, "minute": 50}
